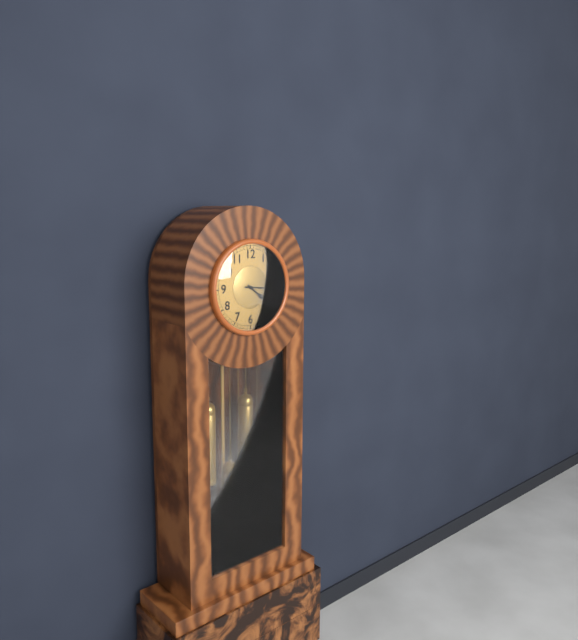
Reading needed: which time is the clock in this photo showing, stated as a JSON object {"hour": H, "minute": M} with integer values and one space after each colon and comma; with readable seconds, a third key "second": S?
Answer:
{"hour": 4, "minute": 16}
